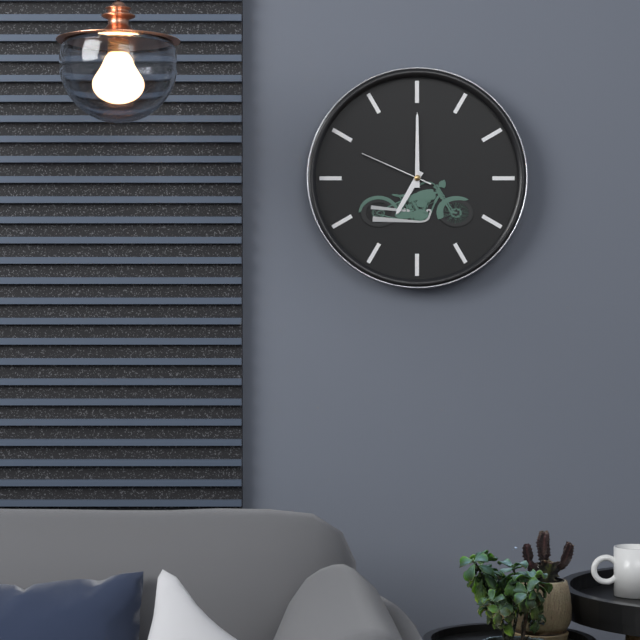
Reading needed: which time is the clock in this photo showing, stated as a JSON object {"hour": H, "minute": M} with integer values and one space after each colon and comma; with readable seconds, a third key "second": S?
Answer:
{"hour": 7, "minute": 0, "second": 49}
